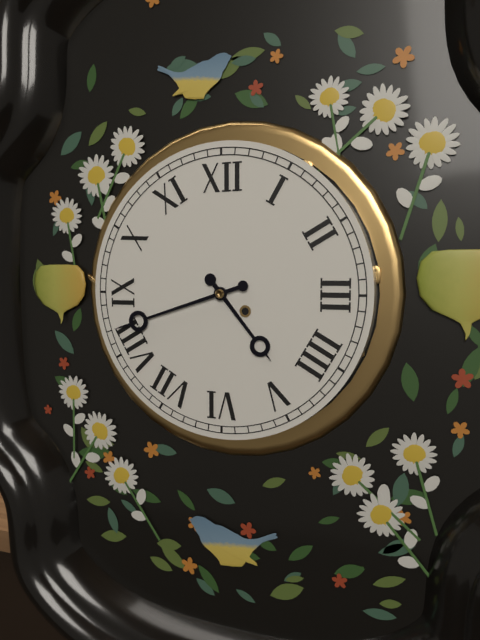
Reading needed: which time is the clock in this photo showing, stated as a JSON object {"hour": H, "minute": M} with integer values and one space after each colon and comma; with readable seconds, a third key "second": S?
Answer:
{"hour": 4, "minute": 42}
